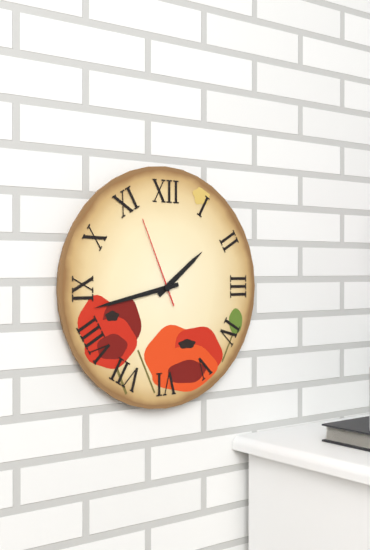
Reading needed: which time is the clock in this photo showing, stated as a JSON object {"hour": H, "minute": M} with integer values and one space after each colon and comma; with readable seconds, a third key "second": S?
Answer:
{"hour": 1, "minute": 43, "second": 56}
